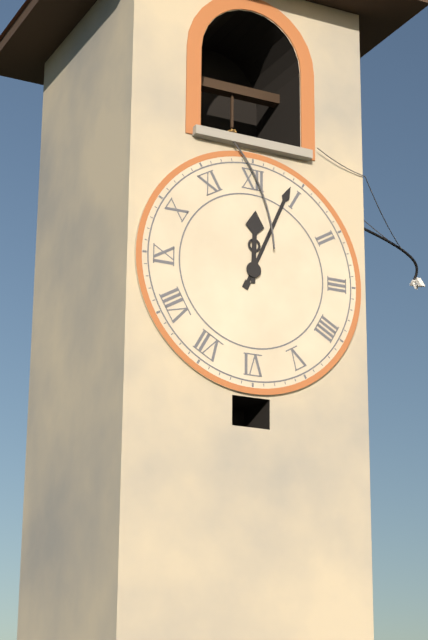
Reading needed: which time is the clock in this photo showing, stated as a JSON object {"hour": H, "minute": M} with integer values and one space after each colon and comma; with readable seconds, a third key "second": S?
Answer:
{"hour": 12, "minute": 4}
